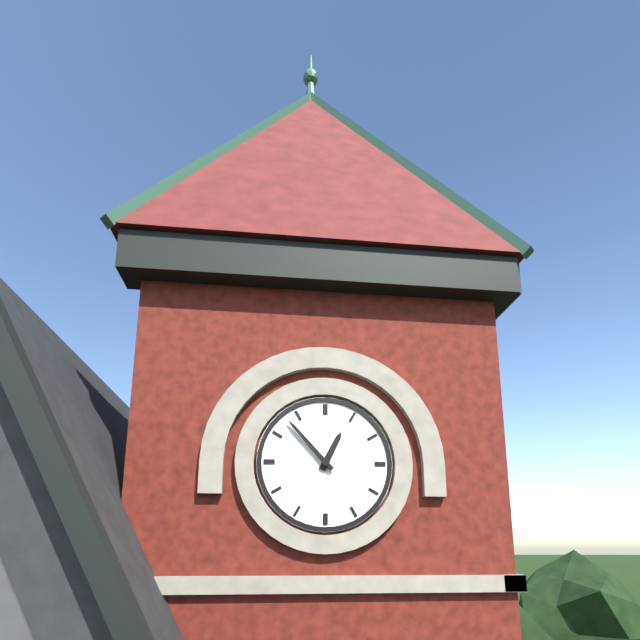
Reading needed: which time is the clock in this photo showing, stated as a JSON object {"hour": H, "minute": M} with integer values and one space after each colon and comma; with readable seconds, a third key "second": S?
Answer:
{"hour": 12, "minute": 53}
